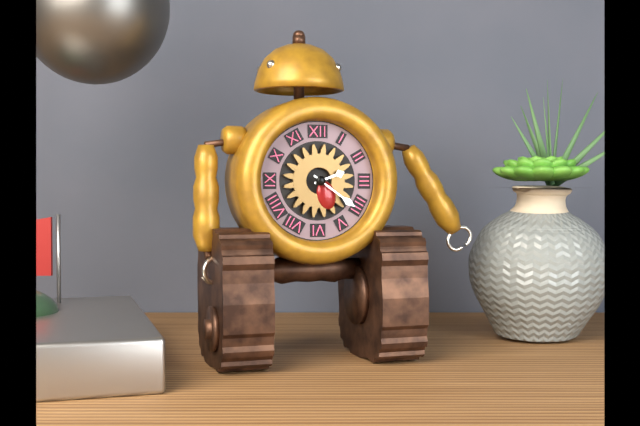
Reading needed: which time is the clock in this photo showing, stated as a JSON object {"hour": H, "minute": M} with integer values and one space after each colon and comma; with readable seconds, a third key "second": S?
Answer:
{"hour": 2, "minute": 21}
